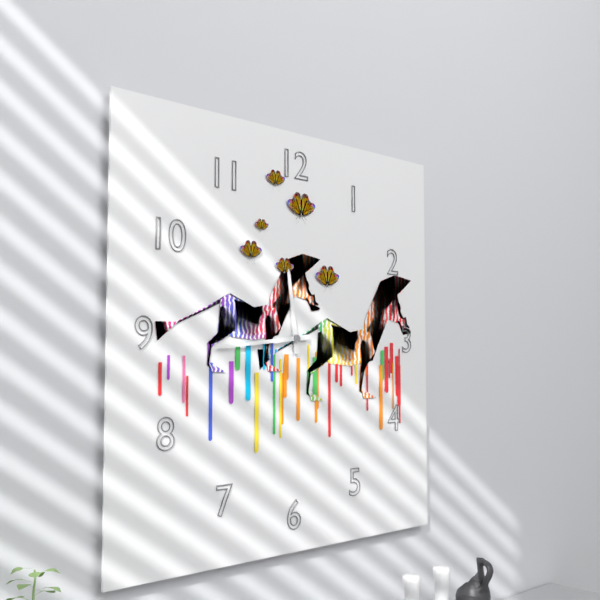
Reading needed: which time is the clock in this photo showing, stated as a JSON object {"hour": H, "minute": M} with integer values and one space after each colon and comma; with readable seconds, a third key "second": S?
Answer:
{"hour": 11, "minute": 44}
